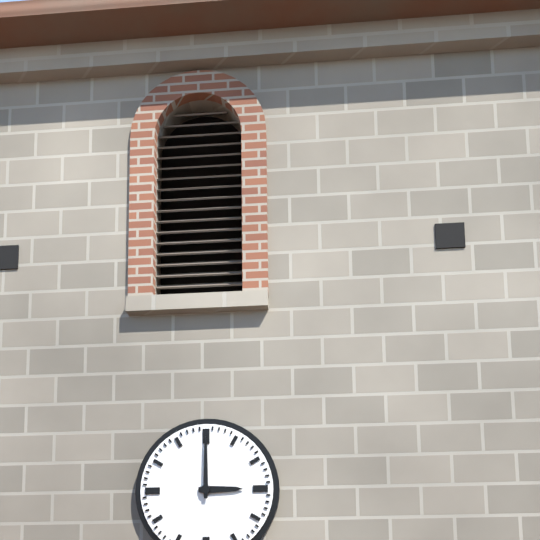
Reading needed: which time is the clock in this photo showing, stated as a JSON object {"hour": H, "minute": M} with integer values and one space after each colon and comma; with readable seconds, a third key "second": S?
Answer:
{"hour": 3, "minute": 0}
